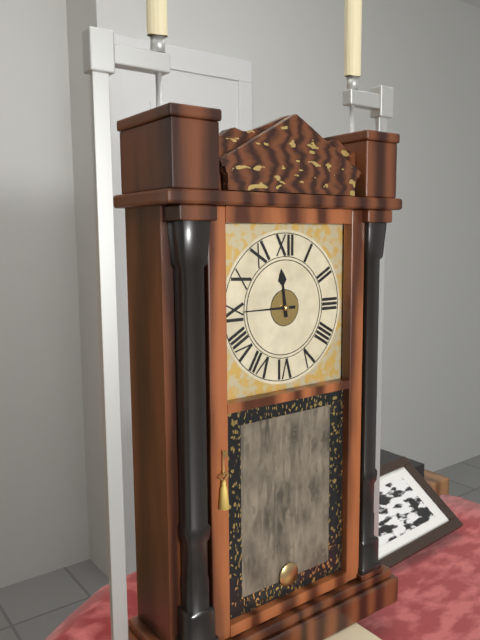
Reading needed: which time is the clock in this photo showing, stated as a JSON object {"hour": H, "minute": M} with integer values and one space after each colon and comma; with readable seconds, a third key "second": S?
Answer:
{"hour": 11, "minute": 45}
